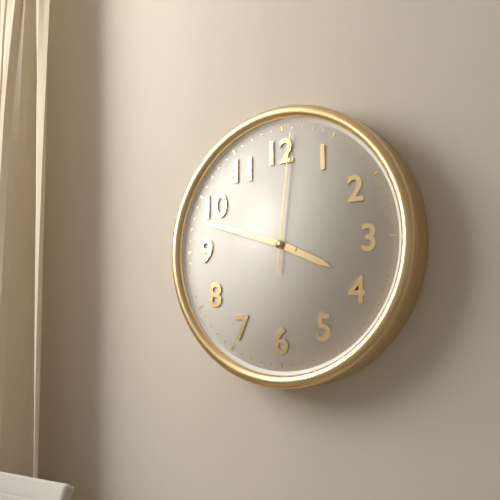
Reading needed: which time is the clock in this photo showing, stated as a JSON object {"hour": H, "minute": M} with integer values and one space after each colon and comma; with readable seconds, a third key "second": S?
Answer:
{"hour": 3, "minute": 48, "second": 1}
